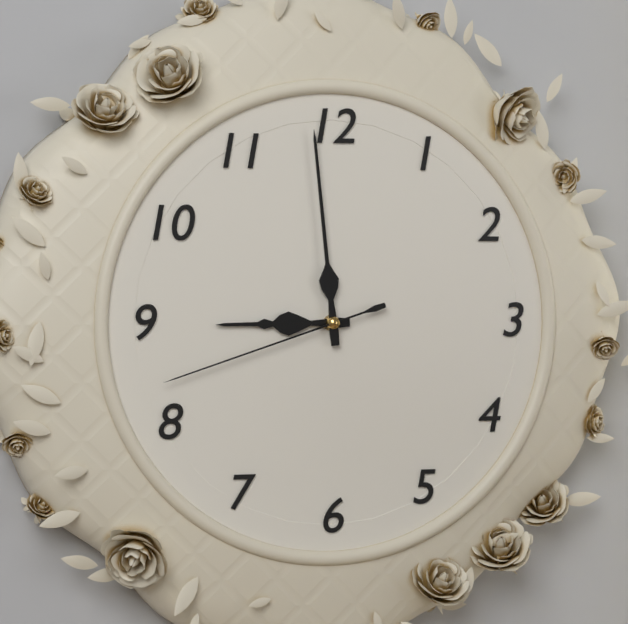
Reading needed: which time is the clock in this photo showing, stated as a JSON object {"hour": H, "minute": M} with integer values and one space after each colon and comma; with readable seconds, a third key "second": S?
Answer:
{"hour": 8, "minute": 59, "second": 42}
